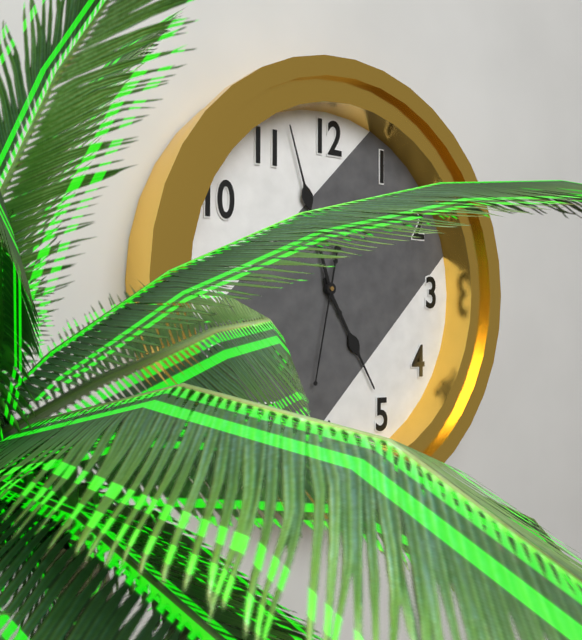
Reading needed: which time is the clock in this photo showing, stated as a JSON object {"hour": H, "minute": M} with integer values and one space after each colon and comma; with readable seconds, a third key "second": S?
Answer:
{"hour": 4, "minute": 57, "second": 32}
